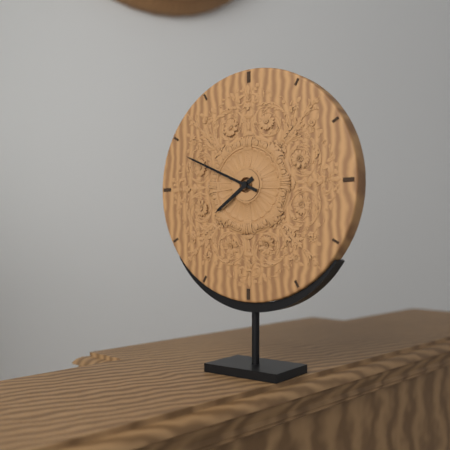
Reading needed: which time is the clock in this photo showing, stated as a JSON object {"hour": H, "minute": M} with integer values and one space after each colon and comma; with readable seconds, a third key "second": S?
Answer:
{"hour": 7, "minute": 49}
